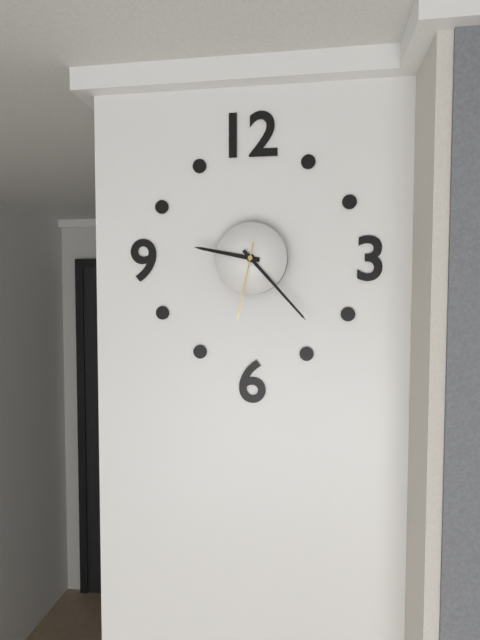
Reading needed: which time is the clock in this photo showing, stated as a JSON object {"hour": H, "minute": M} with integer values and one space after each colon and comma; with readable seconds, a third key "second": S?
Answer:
{"hour": 9, "minute": 23, "second": 32}
